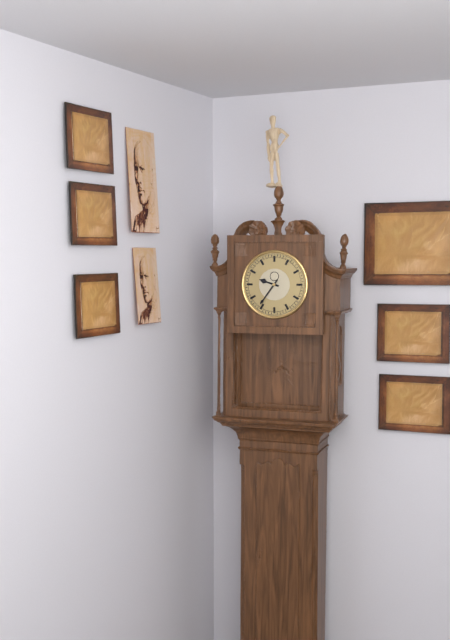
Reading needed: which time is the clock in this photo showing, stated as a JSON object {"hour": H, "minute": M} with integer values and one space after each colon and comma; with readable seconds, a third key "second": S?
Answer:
{"hour": 9, "minute": 36}
